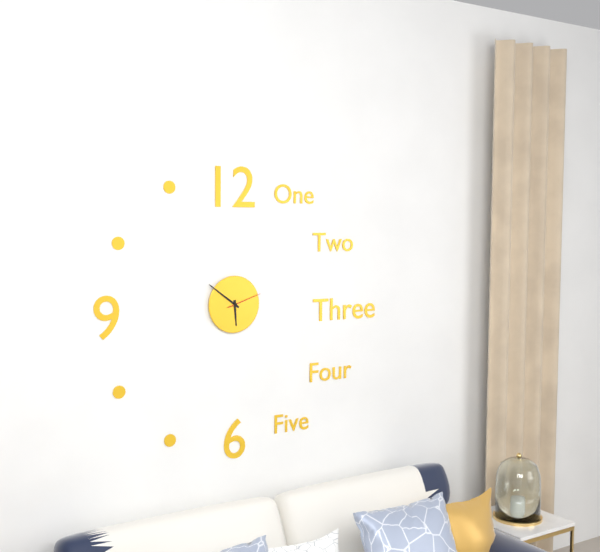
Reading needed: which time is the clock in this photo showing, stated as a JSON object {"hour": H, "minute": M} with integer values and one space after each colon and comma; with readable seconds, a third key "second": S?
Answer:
{"hour": 5, "minute": 51}
